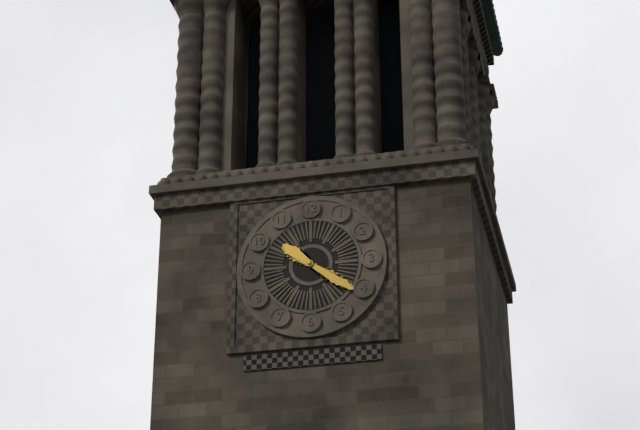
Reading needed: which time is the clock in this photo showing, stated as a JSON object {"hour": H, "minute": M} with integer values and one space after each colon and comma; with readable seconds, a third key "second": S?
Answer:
{"hour": 10, "minute": 21}
